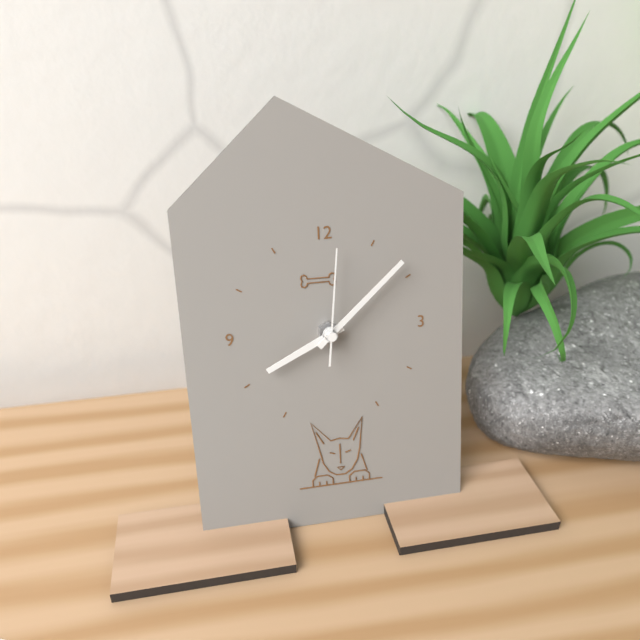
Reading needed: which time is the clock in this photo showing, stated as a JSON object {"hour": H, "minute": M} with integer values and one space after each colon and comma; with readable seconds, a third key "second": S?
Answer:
{"hour": 8, "minute": 8, "second": 1}
